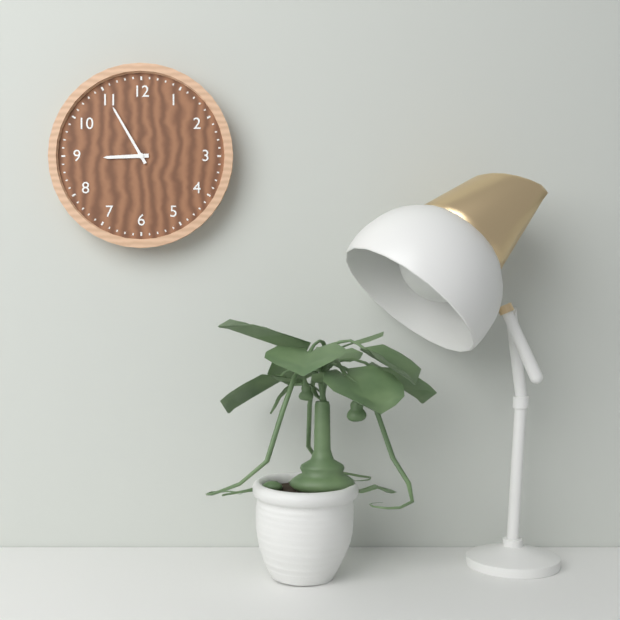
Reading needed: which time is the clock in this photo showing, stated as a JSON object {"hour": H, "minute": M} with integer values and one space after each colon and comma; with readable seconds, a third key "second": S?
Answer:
{"hour": 8, "minute": 55}
